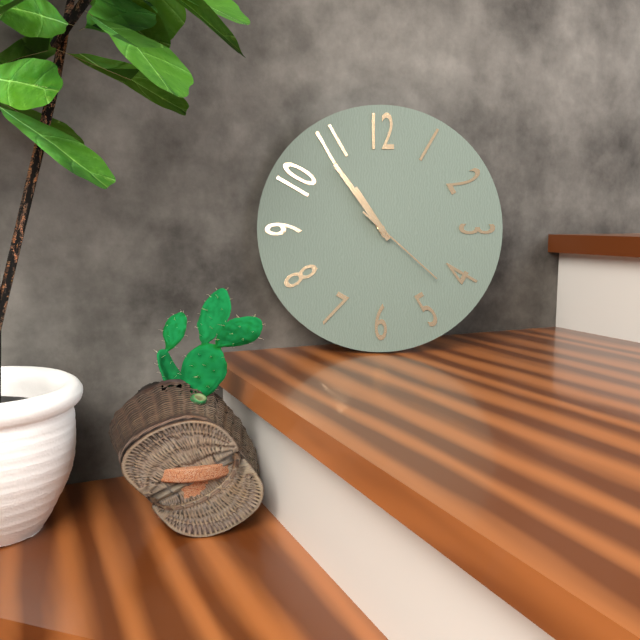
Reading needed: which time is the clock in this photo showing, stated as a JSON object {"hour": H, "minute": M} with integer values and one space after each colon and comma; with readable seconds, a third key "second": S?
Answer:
{"hour": 10, "minute": 54, "second": 22}
